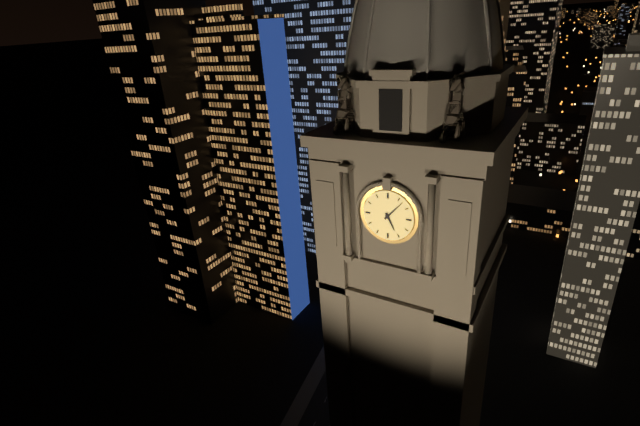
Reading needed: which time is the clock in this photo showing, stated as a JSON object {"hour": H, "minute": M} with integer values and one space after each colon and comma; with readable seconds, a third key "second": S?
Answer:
{"hour": 5, "minute": 7}
